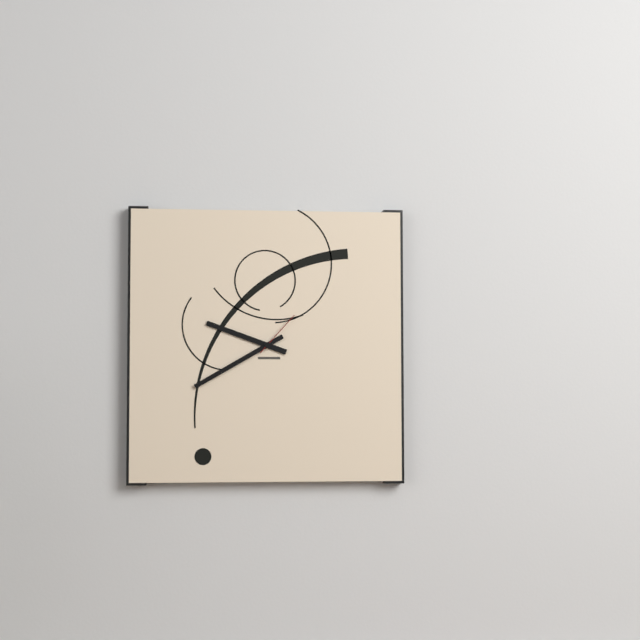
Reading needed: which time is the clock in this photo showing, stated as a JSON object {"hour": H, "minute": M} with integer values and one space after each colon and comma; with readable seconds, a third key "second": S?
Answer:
{"hour": 9, "minute": 40, "second": 7}
